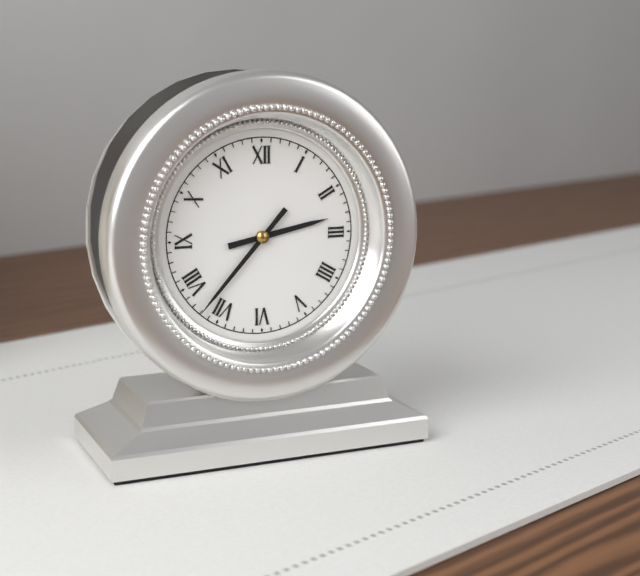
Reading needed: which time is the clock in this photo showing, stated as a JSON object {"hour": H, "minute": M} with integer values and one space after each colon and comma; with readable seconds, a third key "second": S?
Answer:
{"hour": 2, "minute": 37}
